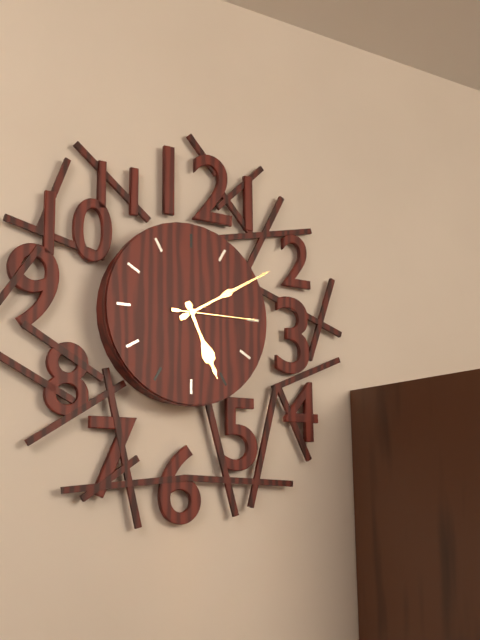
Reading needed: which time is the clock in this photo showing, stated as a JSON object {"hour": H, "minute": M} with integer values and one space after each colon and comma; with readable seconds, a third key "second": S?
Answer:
{"hour": 5, "minute": 10, "second": 15}
